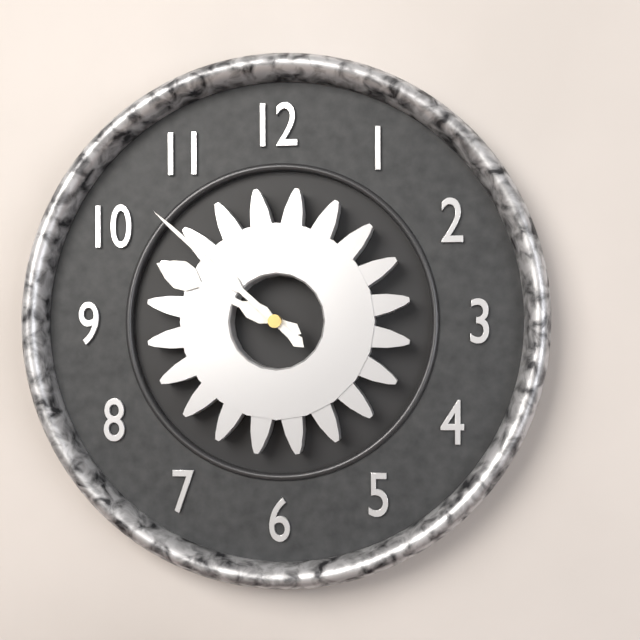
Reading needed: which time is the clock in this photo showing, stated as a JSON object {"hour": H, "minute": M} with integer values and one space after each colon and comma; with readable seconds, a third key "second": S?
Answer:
{"hour": 9, "minute": 52}
